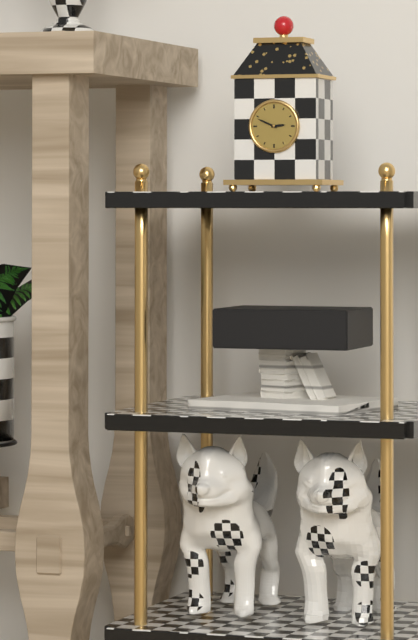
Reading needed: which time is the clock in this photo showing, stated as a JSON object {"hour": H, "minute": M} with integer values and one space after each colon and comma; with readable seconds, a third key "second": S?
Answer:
{"hour": 2, "minute": 49}
